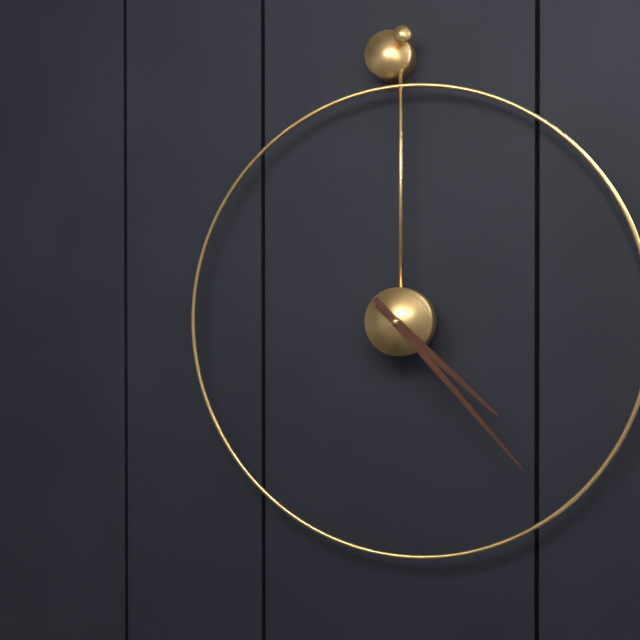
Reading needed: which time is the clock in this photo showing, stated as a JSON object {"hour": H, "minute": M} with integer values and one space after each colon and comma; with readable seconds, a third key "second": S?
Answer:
{"hour": 4, "minute": 23}
